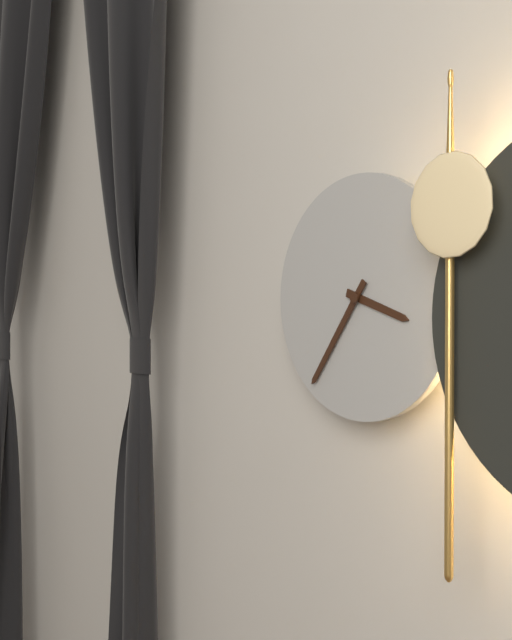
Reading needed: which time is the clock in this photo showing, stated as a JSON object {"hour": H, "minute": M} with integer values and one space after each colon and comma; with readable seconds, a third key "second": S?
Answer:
{"hour": 3, "minute": 36}
